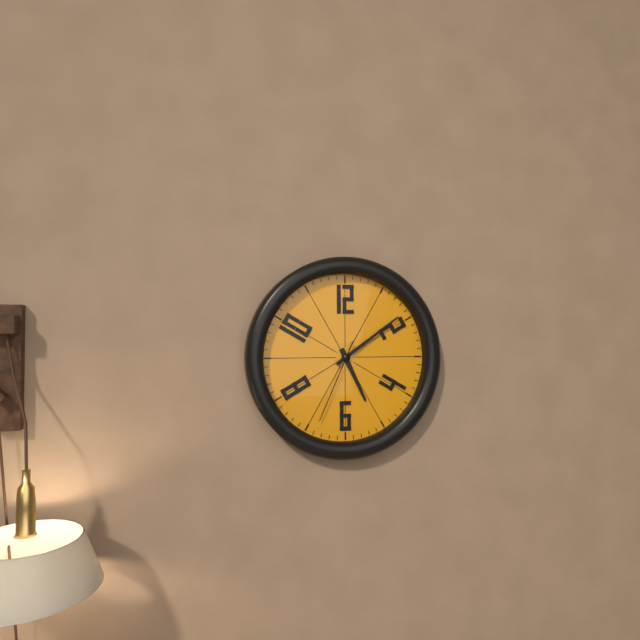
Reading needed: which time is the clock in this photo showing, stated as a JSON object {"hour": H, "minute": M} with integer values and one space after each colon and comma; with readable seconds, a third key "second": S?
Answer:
{"hour": 5, "minute": 9, "second": 34}
